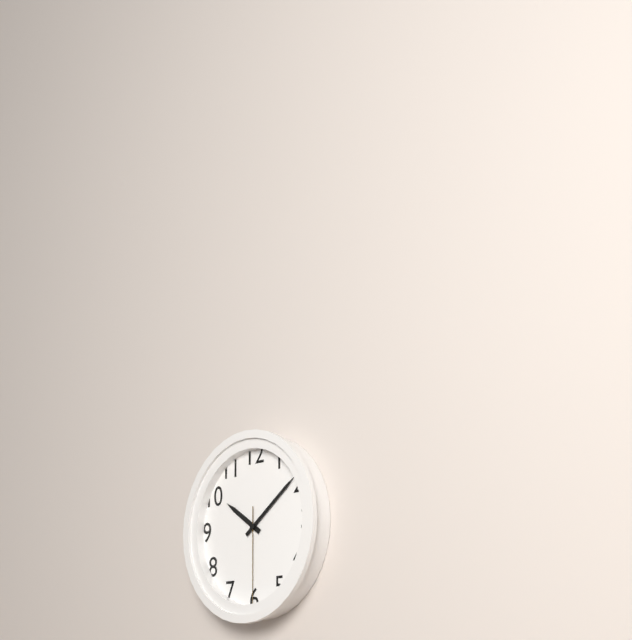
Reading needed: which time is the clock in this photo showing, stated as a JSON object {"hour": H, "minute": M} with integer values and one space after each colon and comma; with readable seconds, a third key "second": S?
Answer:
{"hour": 10, "minute": 9, "second": 30}
